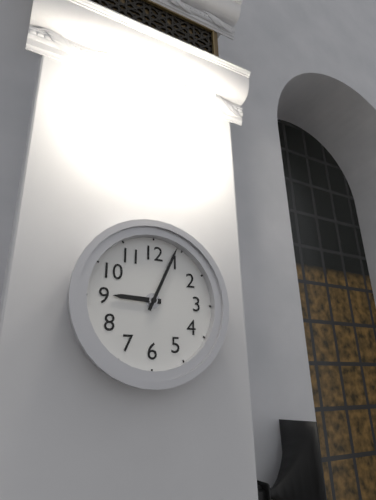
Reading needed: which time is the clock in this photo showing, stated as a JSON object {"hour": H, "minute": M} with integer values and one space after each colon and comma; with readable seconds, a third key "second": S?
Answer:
{"hour": 9, "minute": 4}
